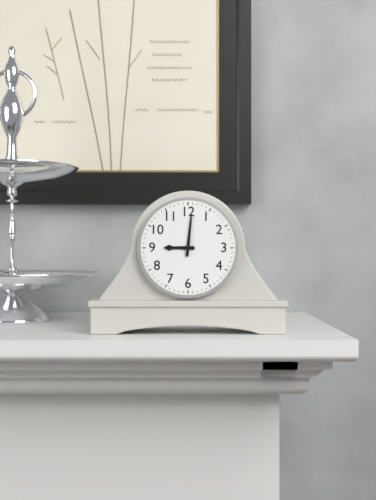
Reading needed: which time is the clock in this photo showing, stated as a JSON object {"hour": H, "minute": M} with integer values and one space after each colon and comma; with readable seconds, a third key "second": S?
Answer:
{"hour": 9, "minute": 1}
